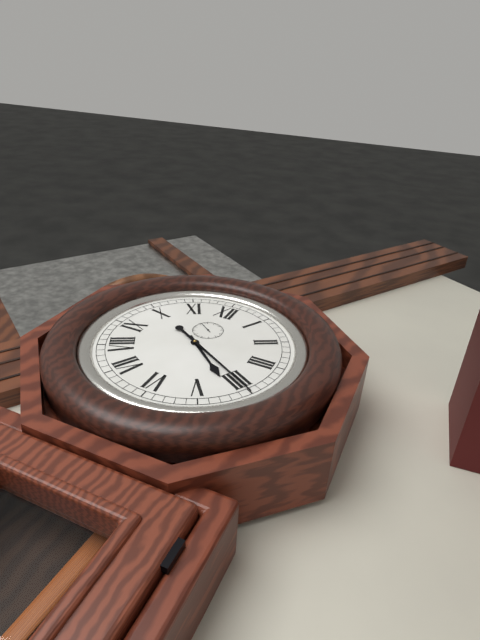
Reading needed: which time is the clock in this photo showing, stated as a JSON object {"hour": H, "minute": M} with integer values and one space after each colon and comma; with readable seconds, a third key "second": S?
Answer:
{"hour": 4, "minute": 20}
